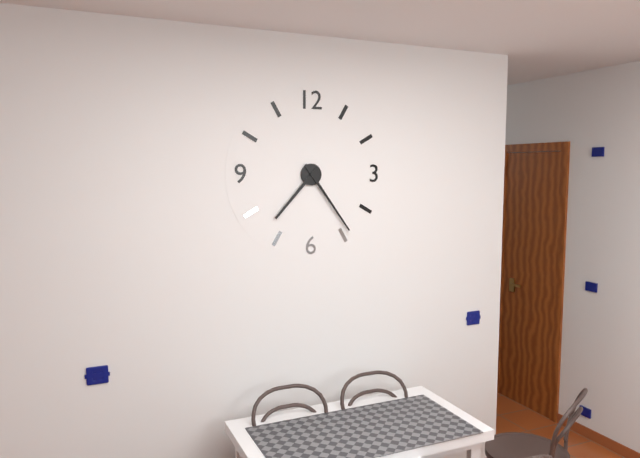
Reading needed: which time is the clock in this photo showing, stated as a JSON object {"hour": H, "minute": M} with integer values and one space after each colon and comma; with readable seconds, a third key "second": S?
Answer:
{"hour": 7, "minute": 24}
